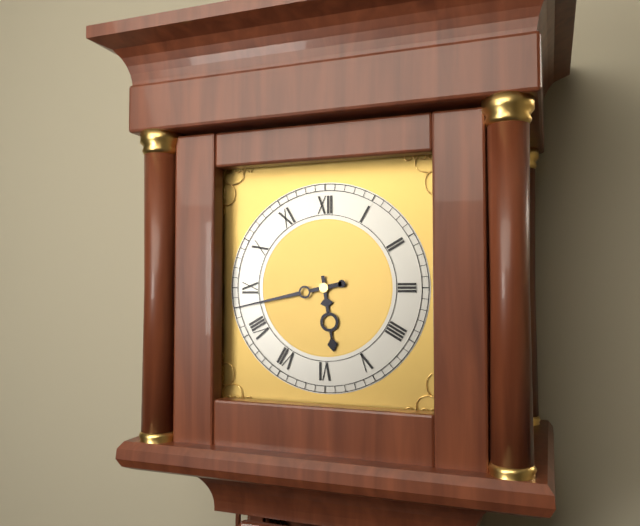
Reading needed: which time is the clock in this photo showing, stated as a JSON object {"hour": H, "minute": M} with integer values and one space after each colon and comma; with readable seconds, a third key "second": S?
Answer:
{"hour": 5, "minute": 43}
